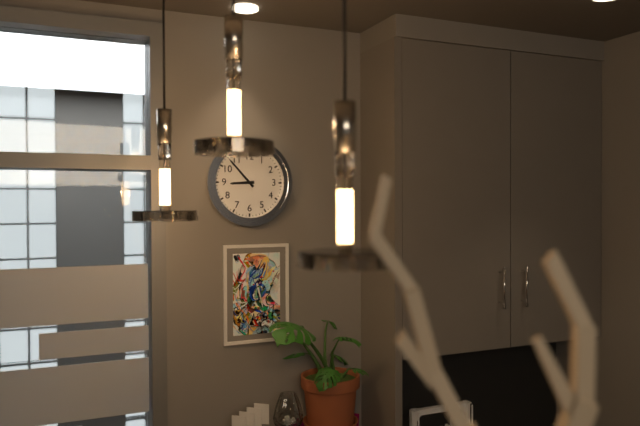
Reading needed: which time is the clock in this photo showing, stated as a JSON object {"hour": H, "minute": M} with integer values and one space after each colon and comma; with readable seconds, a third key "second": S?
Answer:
{"hour": 8, "minute": 53}
